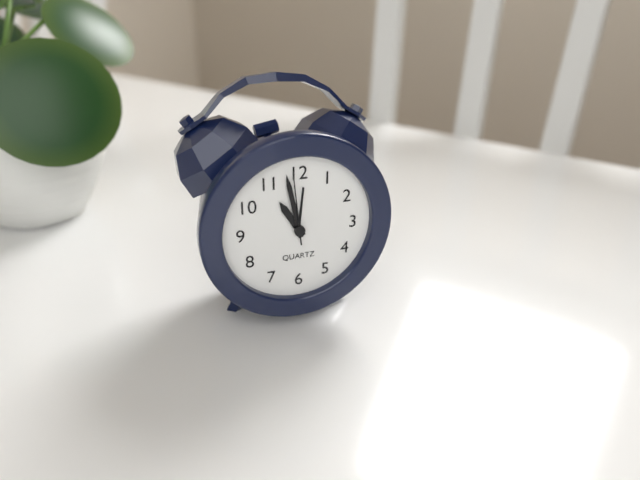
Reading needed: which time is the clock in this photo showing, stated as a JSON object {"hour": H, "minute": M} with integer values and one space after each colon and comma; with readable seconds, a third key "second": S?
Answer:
{"hour": 10, "minute": 58, "second": 59}
